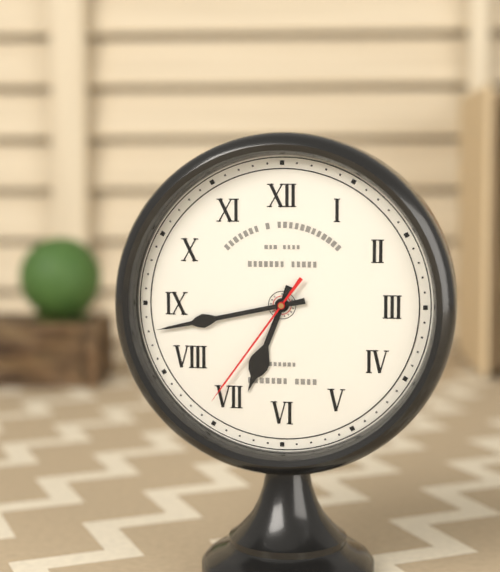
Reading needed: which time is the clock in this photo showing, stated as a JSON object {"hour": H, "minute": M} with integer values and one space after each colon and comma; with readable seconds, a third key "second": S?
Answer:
{"hour": 6, "minute": 43, "second": 36}
